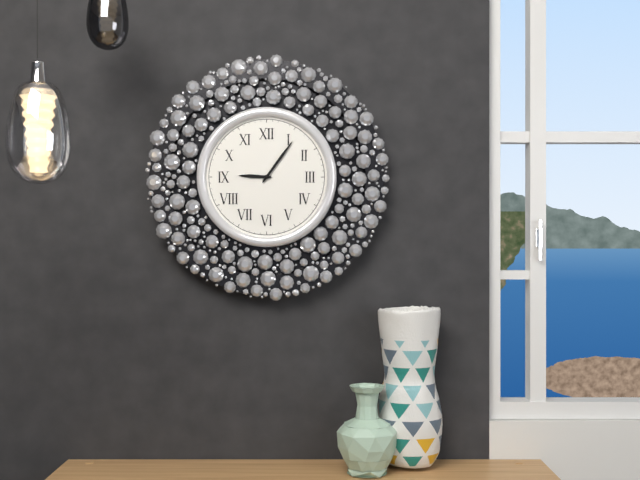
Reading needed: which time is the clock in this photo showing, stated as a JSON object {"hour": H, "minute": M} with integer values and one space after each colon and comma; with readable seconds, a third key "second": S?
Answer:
{"hour": 9, "minute": 6}
